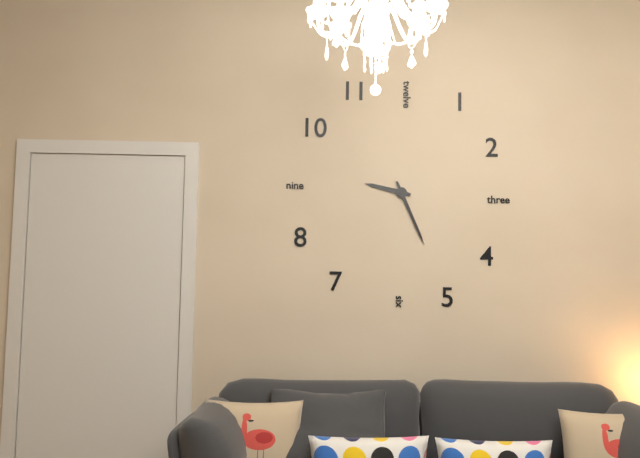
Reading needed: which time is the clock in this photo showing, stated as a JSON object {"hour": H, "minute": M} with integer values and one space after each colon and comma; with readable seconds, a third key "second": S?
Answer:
{"hour": 9, "minute": 26}
